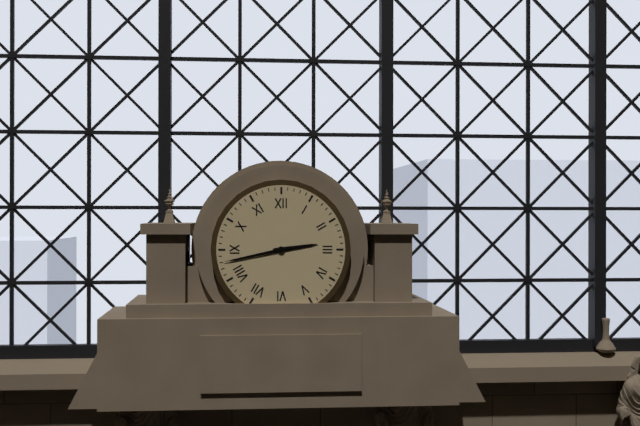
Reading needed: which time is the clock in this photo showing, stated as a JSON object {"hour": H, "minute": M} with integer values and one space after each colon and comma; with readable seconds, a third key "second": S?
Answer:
{"hour": 2, "minute": 43}
